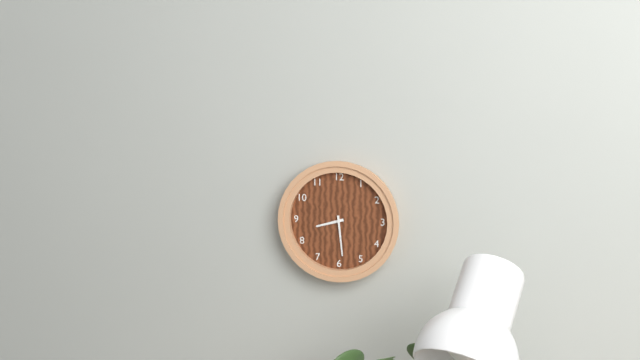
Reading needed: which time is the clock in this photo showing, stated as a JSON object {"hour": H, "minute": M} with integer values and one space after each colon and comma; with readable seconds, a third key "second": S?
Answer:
{"hour": 8, "minute": 29}
